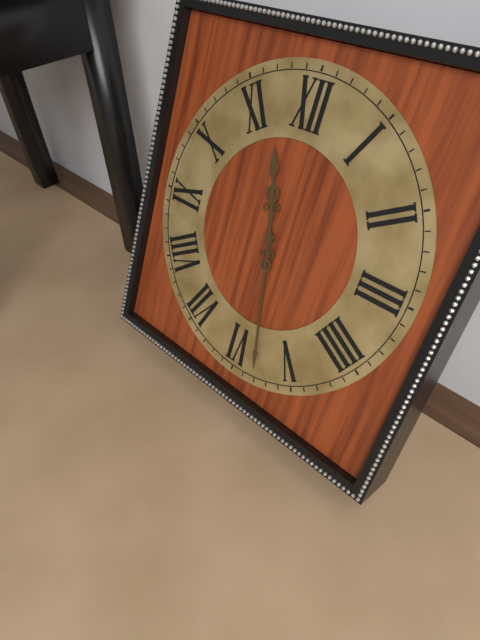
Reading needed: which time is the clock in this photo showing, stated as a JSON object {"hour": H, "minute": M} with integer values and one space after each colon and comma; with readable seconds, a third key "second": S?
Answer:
{"hour": 11, "minute": 28}
